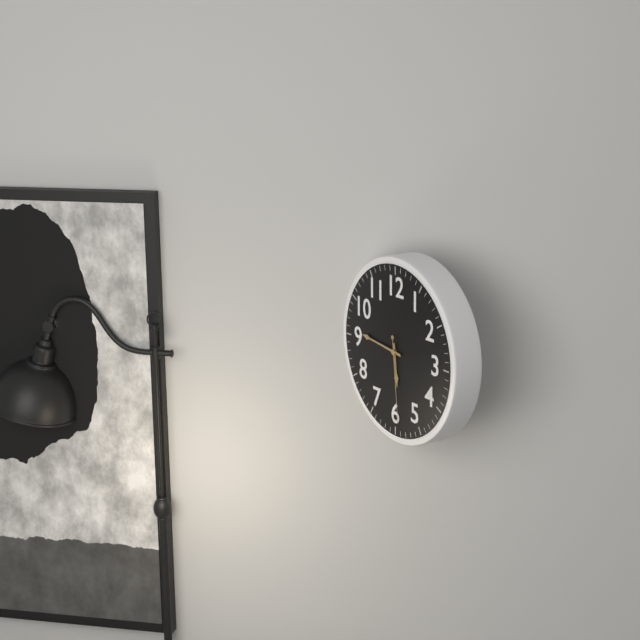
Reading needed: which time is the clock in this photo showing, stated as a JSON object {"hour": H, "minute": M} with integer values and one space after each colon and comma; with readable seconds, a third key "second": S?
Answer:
{"hour": 5, "minute": 46, "second": 29}
